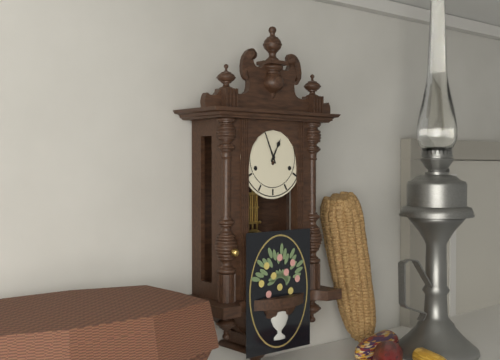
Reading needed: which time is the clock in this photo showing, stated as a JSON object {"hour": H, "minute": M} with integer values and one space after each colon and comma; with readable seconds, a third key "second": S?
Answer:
{"hour": 12, "minute": 56}
